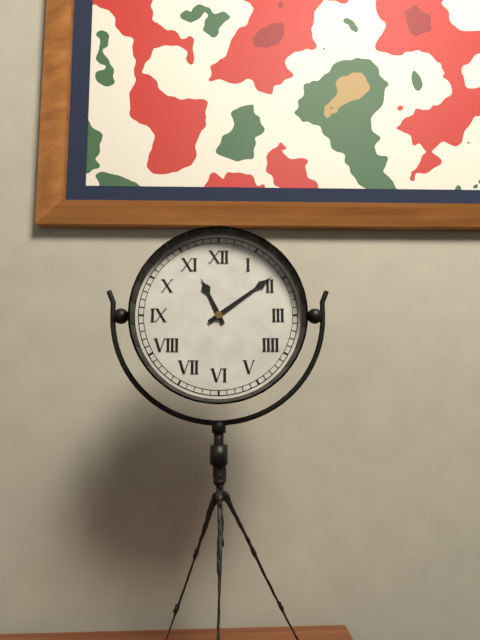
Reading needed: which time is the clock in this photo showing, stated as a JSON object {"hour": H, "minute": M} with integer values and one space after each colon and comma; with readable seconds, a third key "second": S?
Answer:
{"hour": 11, "minute": 9}
